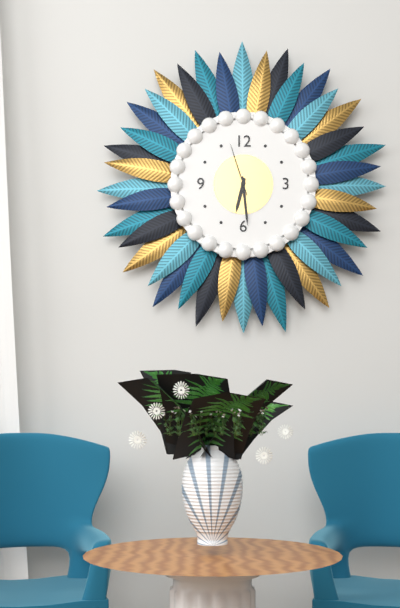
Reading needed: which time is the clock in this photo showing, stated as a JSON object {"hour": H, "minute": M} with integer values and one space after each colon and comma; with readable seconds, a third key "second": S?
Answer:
{"hour": 6, "minute": 29, "second": 57}
